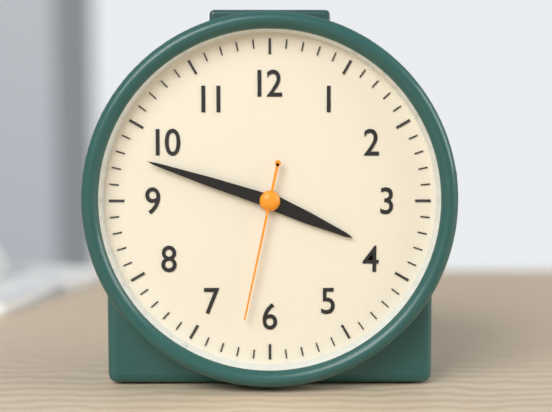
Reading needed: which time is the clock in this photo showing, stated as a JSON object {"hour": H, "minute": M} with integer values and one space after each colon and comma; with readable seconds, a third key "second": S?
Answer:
{"hour": 3, "minute": 48, "second": 32}
